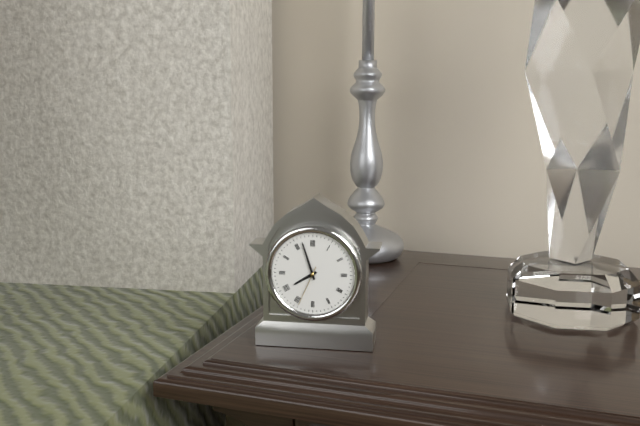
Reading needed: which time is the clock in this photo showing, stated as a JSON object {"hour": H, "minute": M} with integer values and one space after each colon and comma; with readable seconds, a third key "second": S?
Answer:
{"hour": 7, "minute": 57}
